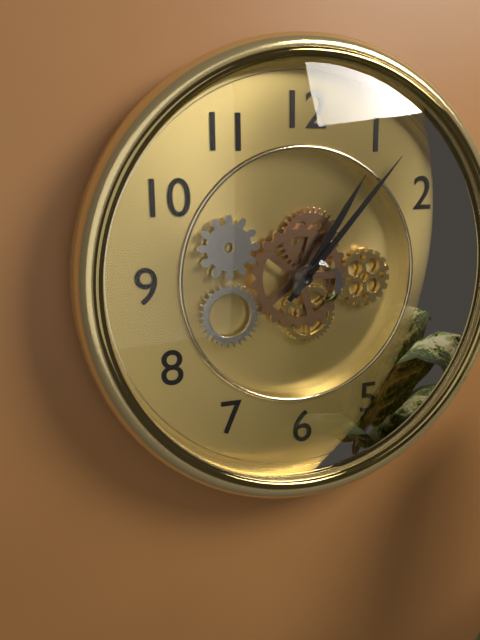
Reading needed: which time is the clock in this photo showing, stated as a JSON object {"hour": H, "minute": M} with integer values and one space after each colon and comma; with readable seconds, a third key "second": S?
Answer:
{"hour": 1, "minute": 7}
